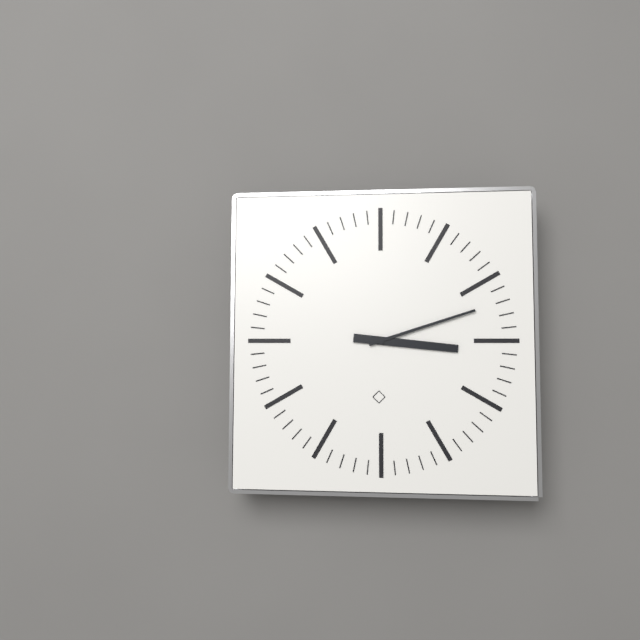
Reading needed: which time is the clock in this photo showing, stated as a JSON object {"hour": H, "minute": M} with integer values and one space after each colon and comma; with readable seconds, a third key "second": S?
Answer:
{"hour": 3, "minute": 12}
